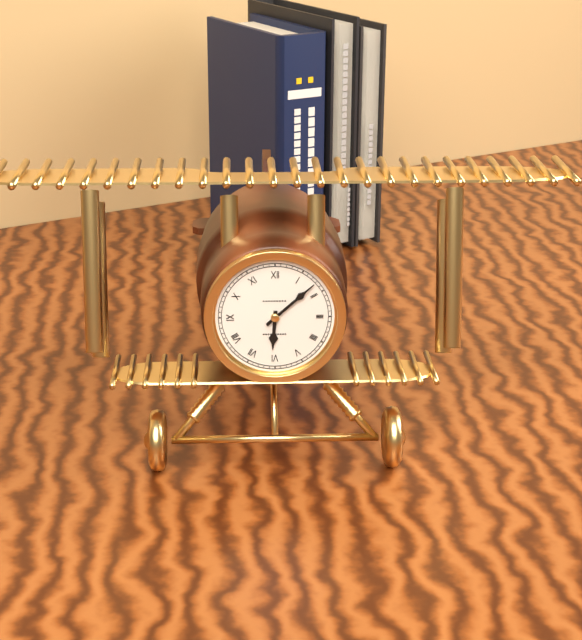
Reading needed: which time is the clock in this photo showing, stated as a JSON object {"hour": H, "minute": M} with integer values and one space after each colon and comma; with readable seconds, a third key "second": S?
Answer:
{"hour": 6, "minute": 8}
